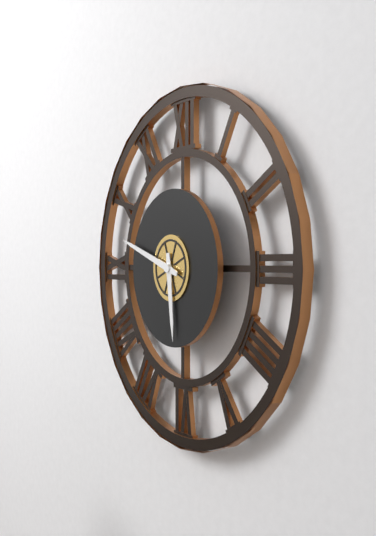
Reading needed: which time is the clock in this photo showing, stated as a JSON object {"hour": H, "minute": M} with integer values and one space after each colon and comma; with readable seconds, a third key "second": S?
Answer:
{"hour": 5, "minute": 48}
